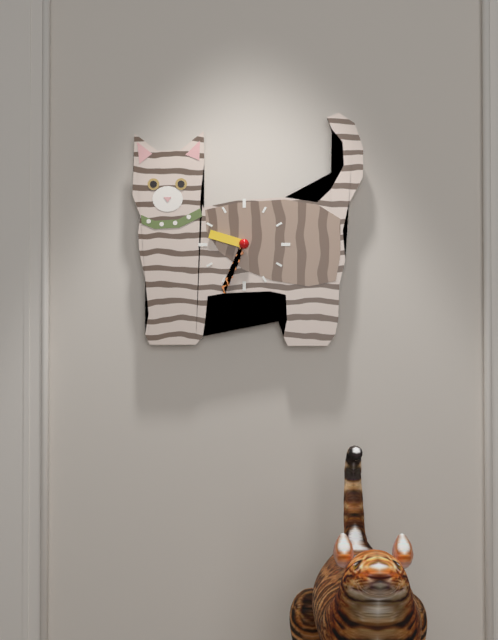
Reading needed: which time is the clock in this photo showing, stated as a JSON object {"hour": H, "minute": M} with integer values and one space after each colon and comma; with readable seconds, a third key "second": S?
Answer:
{"hour": 9, "minute": 34}
